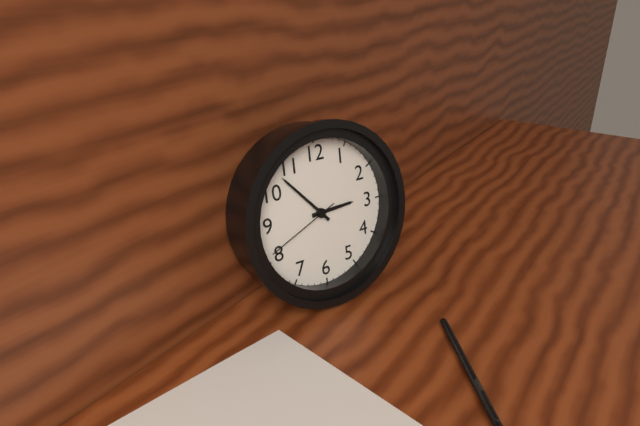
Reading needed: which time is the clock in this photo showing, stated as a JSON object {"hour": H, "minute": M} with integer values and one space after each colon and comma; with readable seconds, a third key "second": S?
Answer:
{"hour": 2, "minute": 53, "second": 41}
